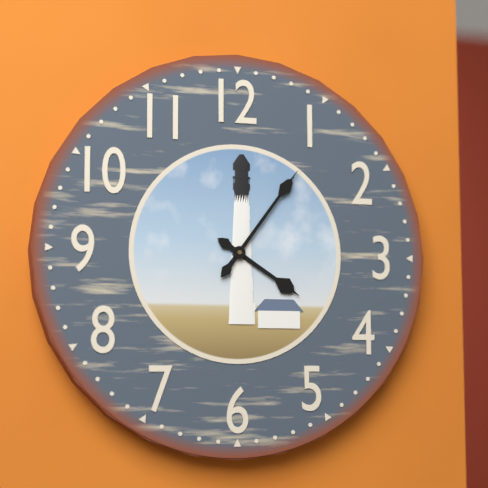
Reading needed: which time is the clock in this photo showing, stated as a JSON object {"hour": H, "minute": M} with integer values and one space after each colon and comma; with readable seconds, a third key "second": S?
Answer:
{"hour": 4, "minute": 6}
